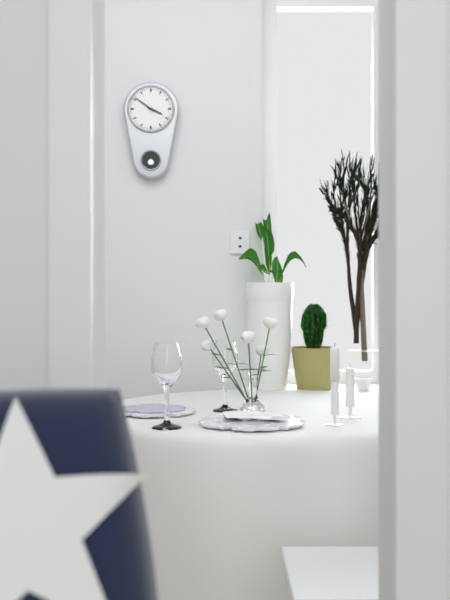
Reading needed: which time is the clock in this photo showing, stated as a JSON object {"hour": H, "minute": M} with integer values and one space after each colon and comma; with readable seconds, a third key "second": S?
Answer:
{"hour": 3, "minute": 51}
